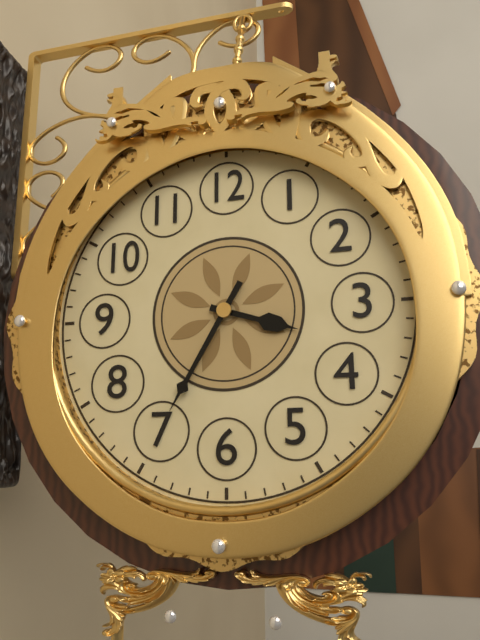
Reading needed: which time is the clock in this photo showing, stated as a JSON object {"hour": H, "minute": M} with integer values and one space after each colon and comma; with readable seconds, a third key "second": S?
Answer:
{"hour": 3, "minute": 35}
